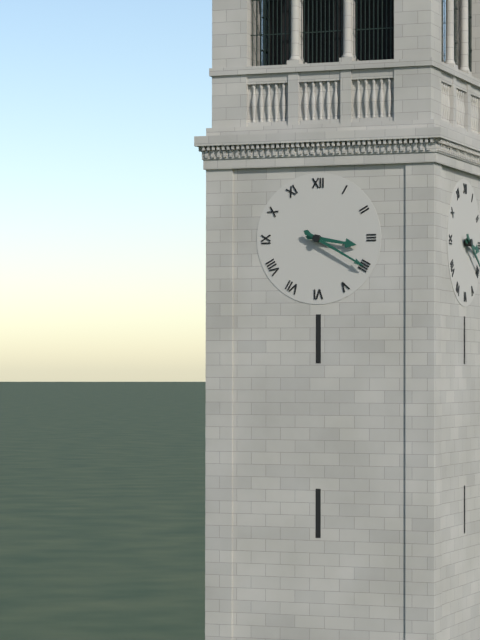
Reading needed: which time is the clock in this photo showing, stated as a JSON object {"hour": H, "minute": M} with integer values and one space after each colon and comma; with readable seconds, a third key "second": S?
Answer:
{"hour": 3, "minute": 20}
